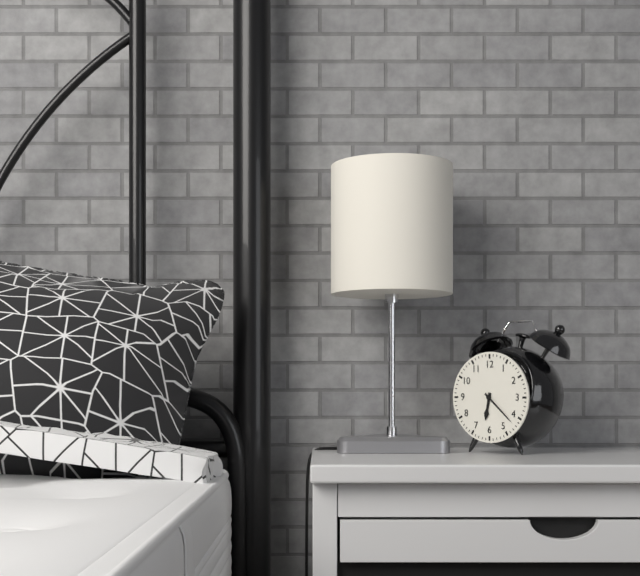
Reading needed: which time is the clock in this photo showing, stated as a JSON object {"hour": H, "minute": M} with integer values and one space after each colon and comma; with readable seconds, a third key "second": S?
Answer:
{"hour": 6, "minute": 22}
